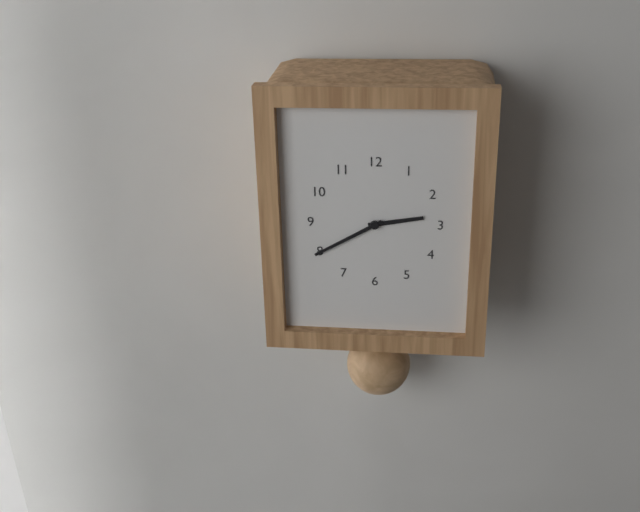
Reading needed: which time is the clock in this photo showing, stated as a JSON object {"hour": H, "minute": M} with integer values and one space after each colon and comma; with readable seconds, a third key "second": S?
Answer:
{"hour": 2, "minute": 40}
